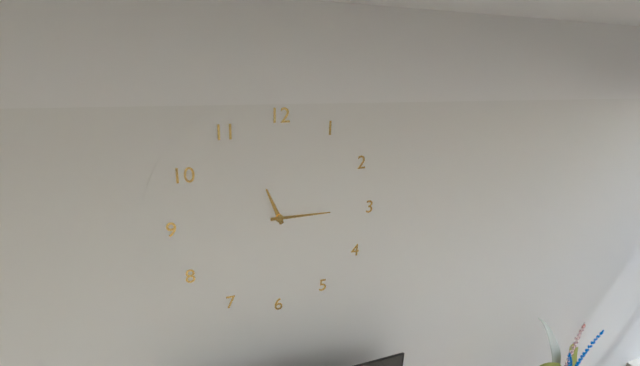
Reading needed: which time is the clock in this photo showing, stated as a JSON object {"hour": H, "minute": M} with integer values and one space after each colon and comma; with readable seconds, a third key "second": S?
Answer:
{"hour": 11, "minute": 15}
